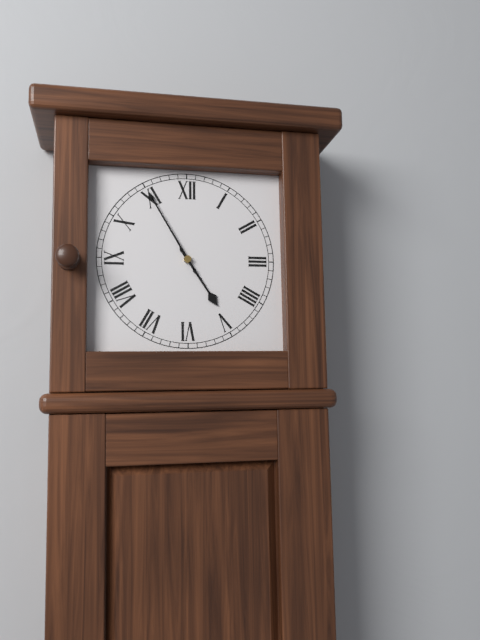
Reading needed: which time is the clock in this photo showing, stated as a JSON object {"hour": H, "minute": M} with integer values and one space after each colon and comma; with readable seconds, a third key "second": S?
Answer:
{"hour": 4, "minute": 55}
